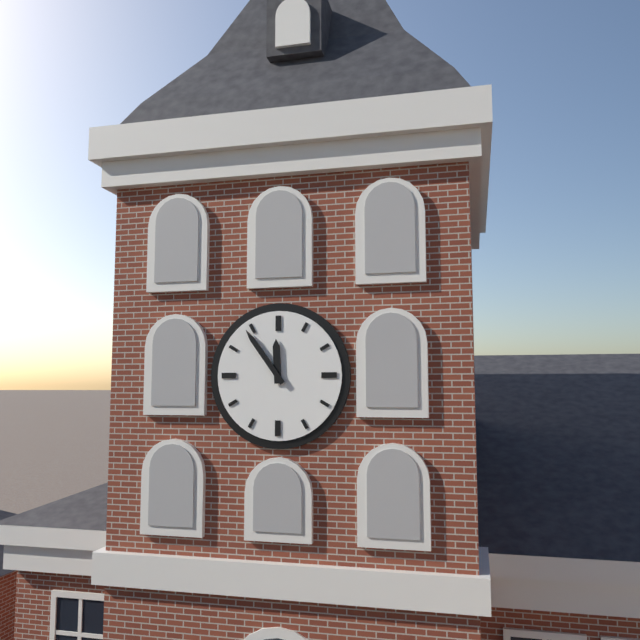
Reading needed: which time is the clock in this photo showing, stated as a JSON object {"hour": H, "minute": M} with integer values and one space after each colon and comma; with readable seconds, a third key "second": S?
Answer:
{"hour": 11, "minute": 54}
